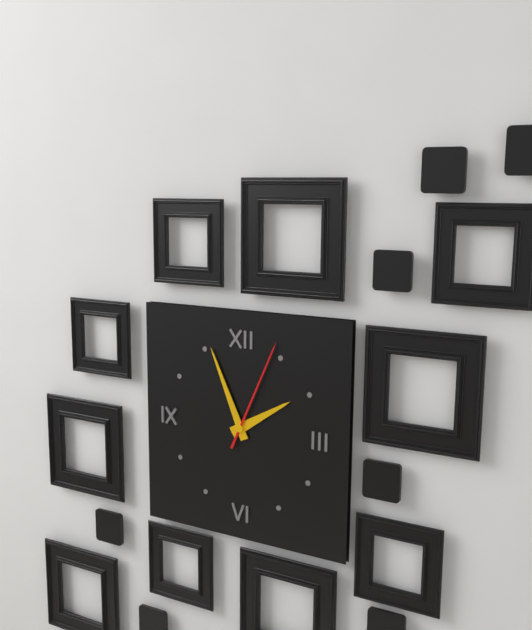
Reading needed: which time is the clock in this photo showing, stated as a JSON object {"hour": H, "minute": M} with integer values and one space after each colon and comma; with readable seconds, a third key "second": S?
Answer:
{"hour": 1, "minute": 56, "second": 4}
